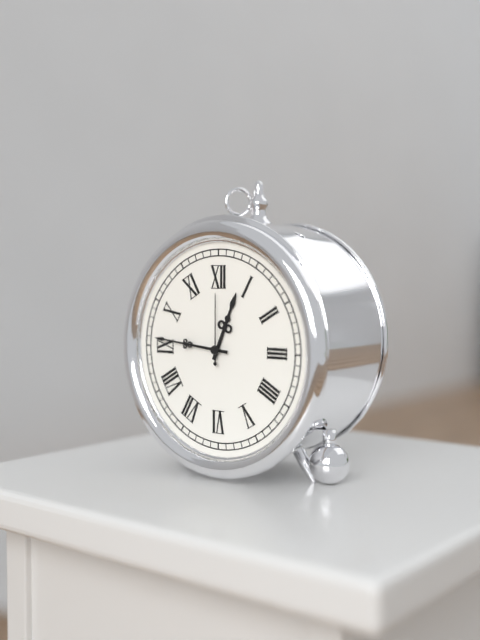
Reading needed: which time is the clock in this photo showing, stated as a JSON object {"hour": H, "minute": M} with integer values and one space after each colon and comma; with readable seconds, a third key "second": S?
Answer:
{"hour": 12, "minute": 46, "second": 0}
